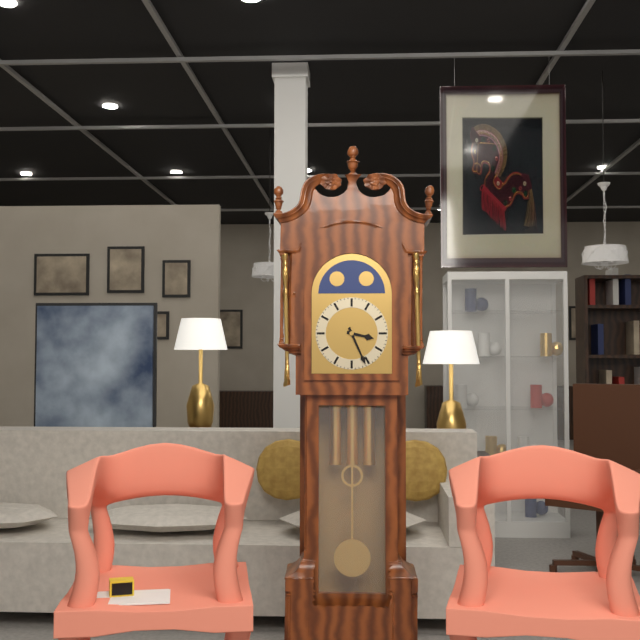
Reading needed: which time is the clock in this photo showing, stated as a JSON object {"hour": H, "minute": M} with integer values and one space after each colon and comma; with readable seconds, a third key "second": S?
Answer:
{"hour": 3, "minute": 26}
